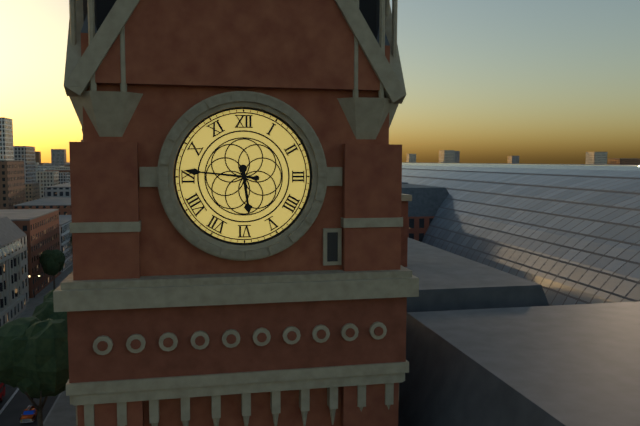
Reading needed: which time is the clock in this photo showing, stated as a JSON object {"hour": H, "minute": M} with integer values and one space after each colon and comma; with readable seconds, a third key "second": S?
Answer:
{"hour": 5, "minute": 46}
